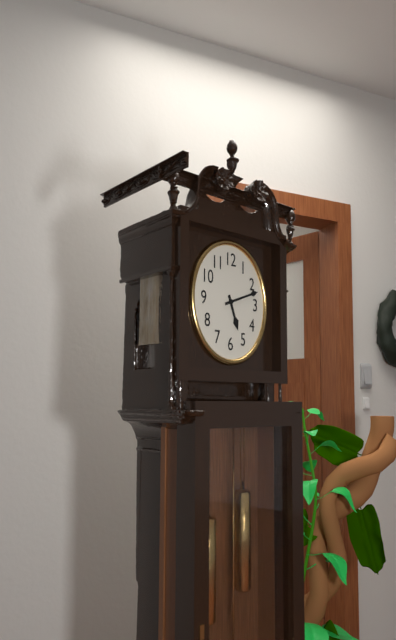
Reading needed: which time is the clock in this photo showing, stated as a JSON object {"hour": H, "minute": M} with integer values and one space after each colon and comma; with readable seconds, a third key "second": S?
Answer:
{"hour": 5, "minute": 12}
